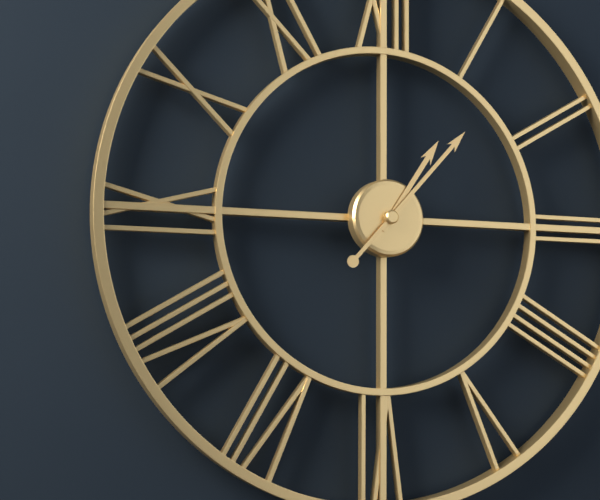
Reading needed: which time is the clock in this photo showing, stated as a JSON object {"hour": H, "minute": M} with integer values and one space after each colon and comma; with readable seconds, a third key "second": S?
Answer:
{"hour": 1, "minute": 7}
